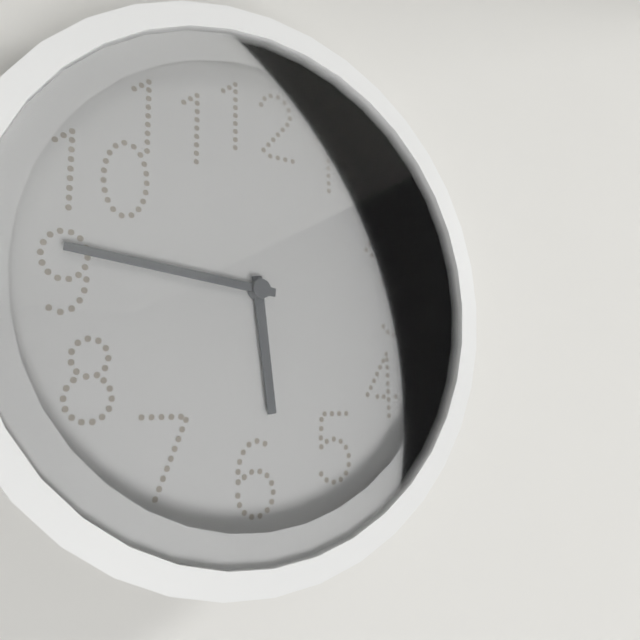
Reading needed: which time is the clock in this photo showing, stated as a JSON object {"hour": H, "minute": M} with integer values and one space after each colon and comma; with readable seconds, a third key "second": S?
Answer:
{"hour": 5, "minute": 46}
